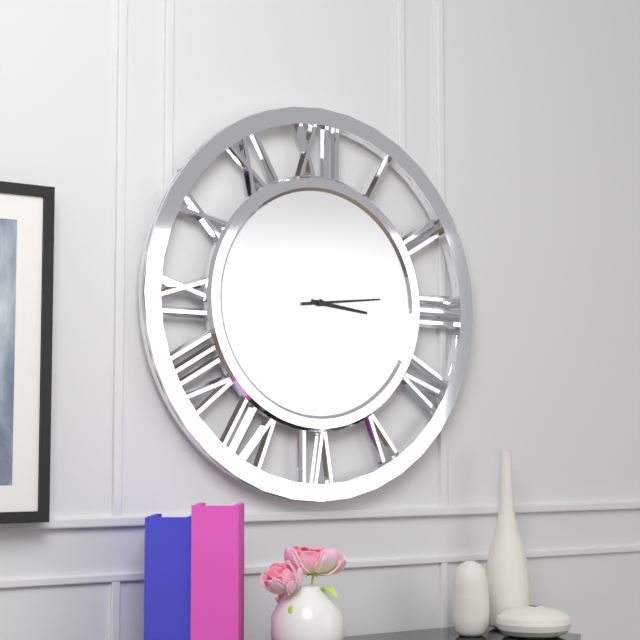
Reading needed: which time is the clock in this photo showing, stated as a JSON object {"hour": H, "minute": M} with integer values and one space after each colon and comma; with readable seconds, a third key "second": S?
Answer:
{"hour": 3, "minute": 14}
